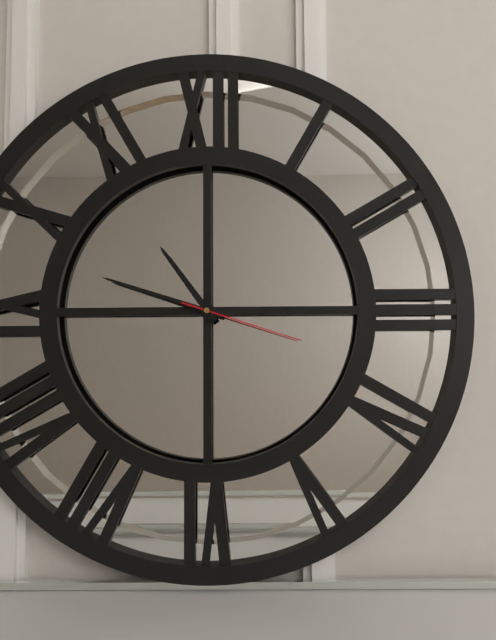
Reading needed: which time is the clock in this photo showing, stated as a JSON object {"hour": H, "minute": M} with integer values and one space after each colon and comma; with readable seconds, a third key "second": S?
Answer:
{"hour": 10, "minute": 48, "second": 18}
